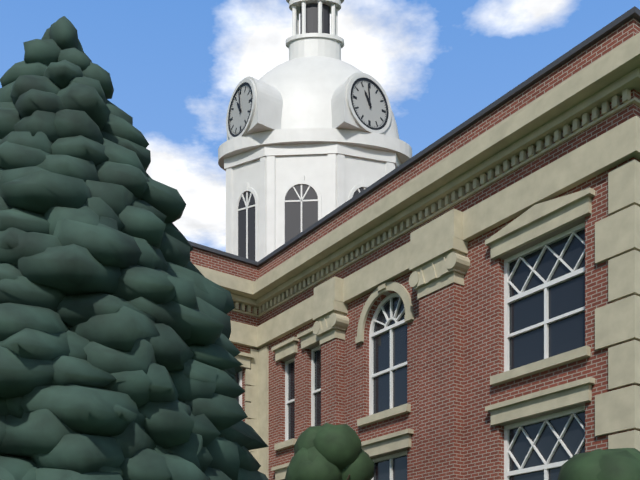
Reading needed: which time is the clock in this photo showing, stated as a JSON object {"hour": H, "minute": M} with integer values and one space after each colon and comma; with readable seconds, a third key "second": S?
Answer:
{"hour": 10, "minute": 59}
